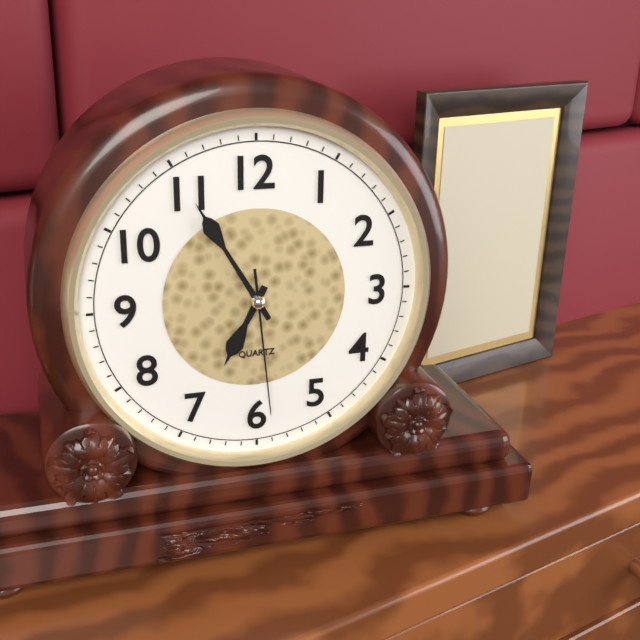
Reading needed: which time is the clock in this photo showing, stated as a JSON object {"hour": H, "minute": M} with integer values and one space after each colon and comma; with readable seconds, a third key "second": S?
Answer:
{"hour": 6, "minute": 55, "second": 29}
